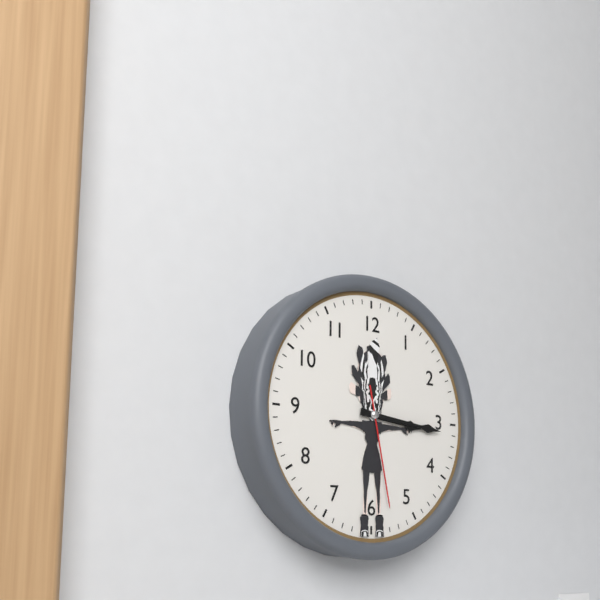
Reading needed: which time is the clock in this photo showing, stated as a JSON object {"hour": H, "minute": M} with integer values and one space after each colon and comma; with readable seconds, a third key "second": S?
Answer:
{"hour": 3, "minute": 16, "second": 28}
